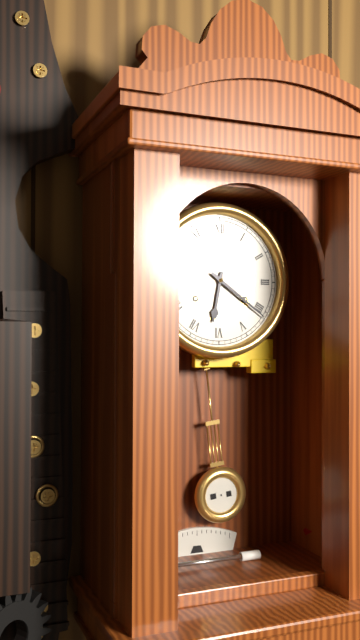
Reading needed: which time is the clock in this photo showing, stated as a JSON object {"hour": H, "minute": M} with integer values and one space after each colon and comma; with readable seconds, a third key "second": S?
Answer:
{"hour": 6, "minute": 21}
